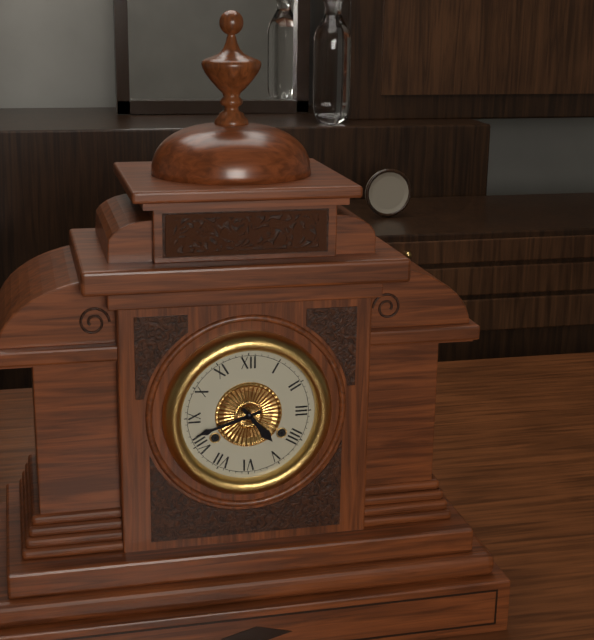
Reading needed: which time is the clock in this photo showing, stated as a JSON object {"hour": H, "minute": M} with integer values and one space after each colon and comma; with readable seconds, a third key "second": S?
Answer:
{"hour": 4, "minute": 42}
